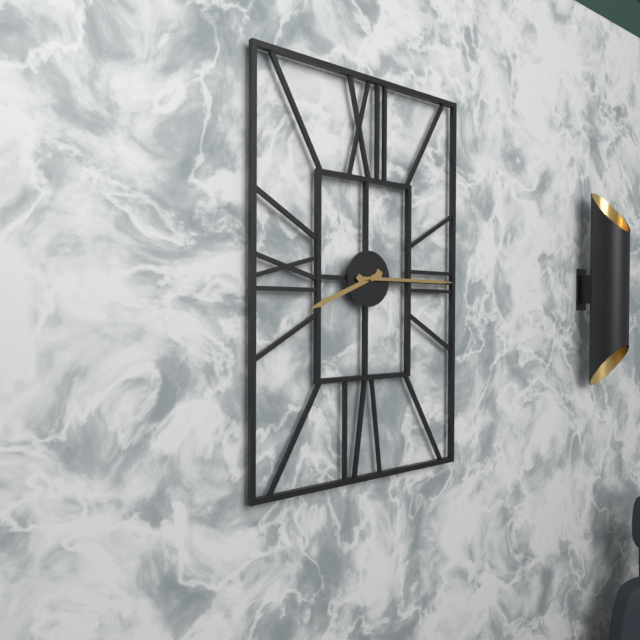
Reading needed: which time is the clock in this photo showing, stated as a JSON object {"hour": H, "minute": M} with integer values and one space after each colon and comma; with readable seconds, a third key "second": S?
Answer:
{"hour": 8, "minute": 15}
